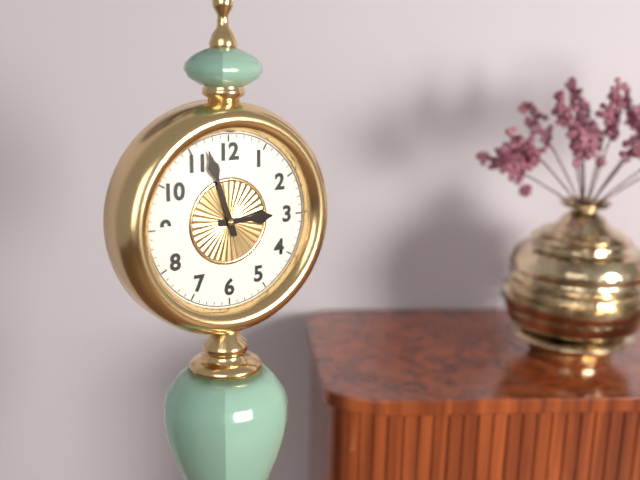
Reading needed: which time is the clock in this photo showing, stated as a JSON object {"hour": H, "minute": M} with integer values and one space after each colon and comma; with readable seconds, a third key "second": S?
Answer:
{"hour": 2, "minute": 57}
